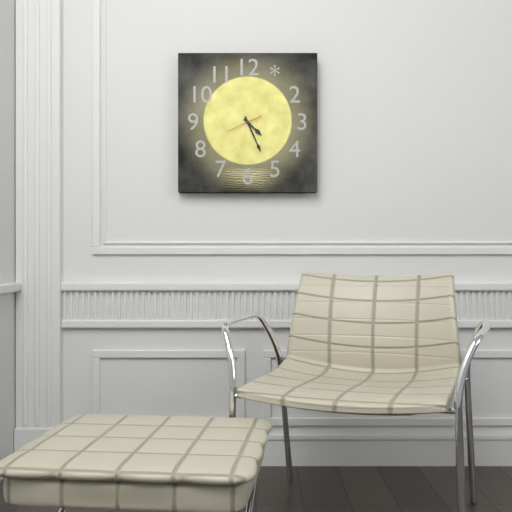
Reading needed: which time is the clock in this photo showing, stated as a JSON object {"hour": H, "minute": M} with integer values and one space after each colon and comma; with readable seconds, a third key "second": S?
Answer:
{"hour": 4, "minute": 26}
